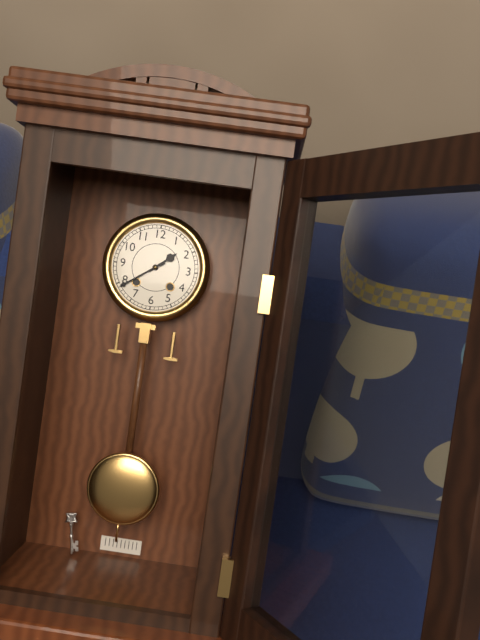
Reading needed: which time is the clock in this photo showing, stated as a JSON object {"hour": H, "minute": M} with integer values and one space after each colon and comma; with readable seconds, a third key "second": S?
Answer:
{"hour": 1, "minute": 39}
